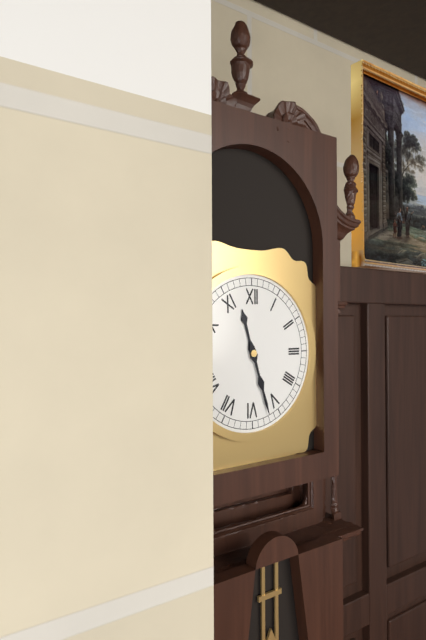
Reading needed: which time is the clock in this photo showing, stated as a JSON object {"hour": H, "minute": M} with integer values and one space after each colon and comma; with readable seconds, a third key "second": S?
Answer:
{"hour": 11, "minute": 27}
